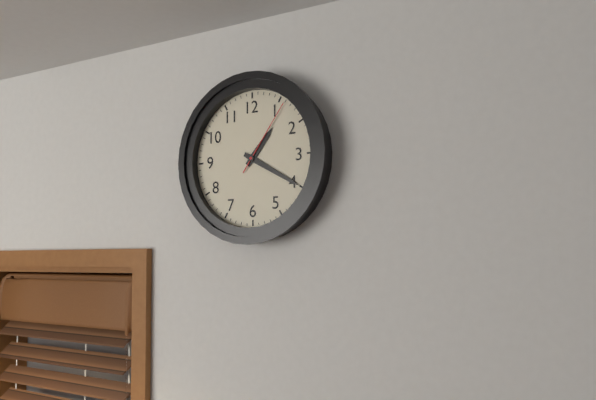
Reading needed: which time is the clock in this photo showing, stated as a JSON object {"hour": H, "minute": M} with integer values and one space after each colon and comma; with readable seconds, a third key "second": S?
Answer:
{"hour": 1, "minute": 20, "second": 6}
